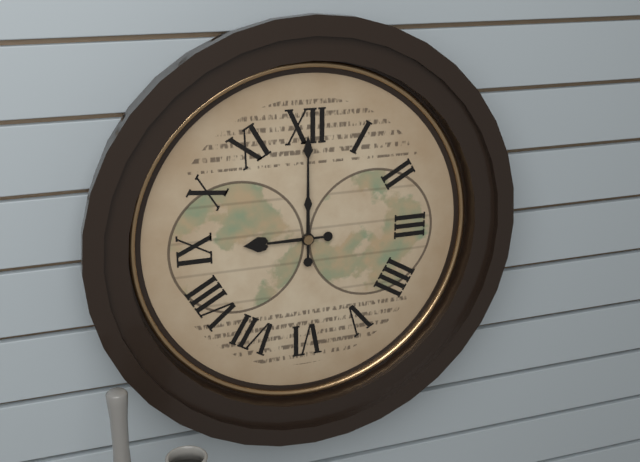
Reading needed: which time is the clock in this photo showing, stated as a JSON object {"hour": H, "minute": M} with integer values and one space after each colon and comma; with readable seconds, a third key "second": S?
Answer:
{"hour": 9, "minute": 0}
